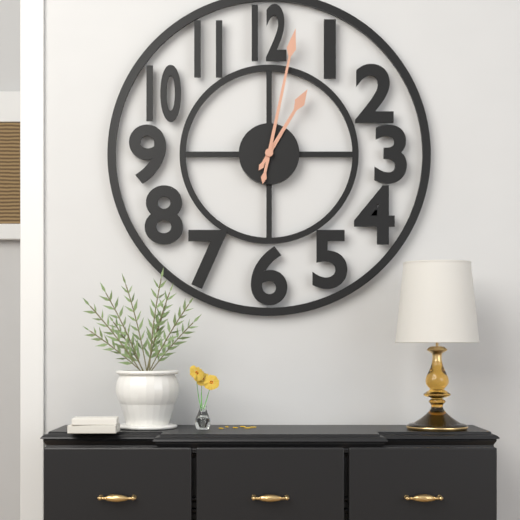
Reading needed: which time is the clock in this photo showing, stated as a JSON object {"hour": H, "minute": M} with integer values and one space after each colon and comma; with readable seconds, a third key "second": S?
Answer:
{"hour": 1, "minute": 2}
